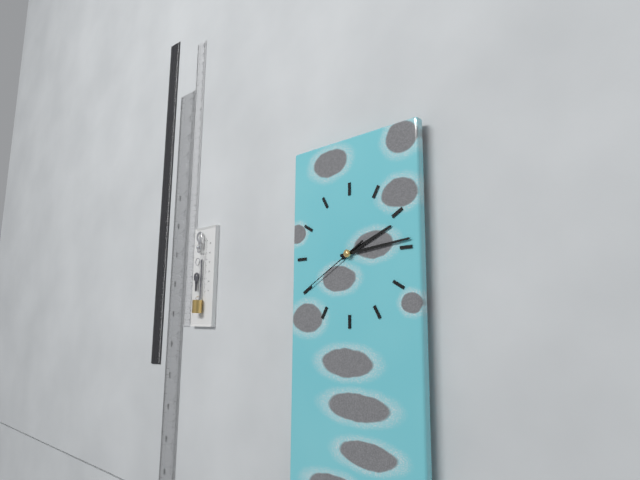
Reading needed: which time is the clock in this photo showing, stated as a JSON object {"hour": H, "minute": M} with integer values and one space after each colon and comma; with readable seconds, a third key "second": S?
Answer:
{"hour": 2, "minute": 14, "second": 40}
